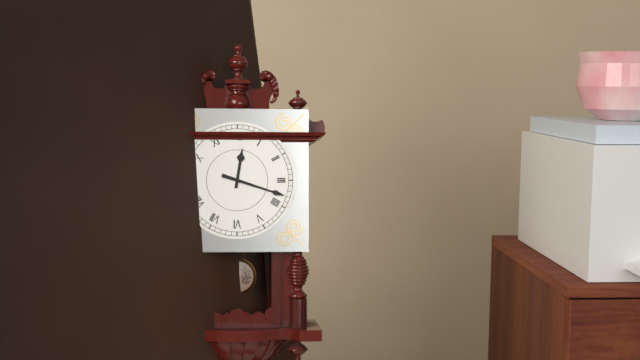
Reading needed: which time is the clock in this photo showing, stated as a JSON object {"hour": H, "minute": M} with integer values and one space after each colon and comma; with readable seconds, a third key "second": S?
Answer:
{"hour": 12, "minute": 18}
